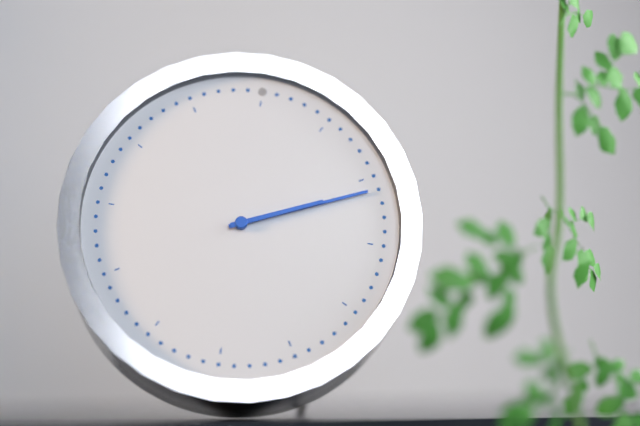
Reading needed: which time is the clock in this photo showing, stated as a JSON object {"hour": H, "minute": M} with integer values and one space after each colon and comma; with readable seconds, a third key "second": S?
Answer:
{"hour": 2, "minute": 11}
